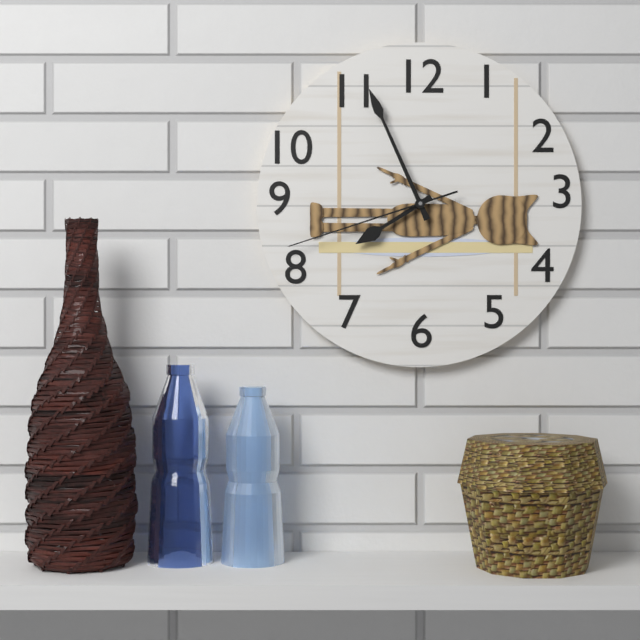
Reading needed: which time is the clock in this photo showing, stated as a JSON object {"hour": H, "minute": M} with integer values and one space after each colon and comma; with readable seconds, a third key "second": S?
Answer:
{"hour": 7, "minute": 56, "second": 42}
